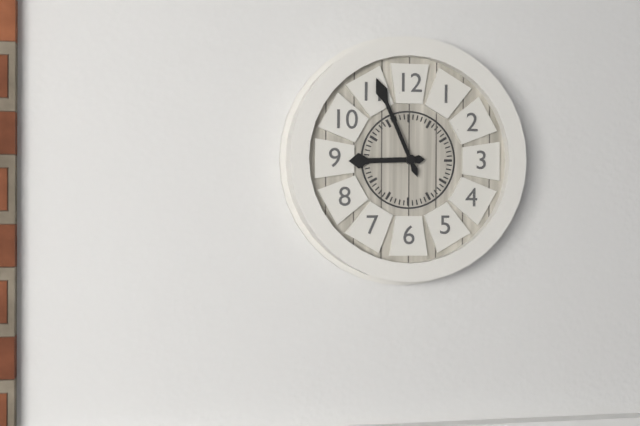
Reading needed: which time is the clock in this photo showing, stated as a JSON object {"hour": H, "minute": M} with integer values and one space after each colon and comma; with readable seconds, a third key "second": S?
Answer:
{"hour": 8, "minute": 56}
